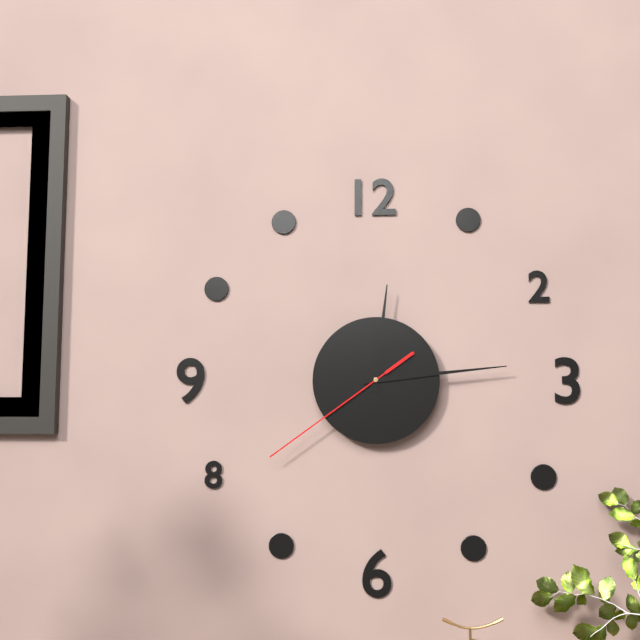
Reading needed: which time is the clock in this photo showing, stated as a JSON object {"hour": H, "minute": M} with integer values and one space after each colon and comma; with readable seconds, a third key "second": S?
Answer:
{"hour": 12, "minute": 14, "second": 39}
